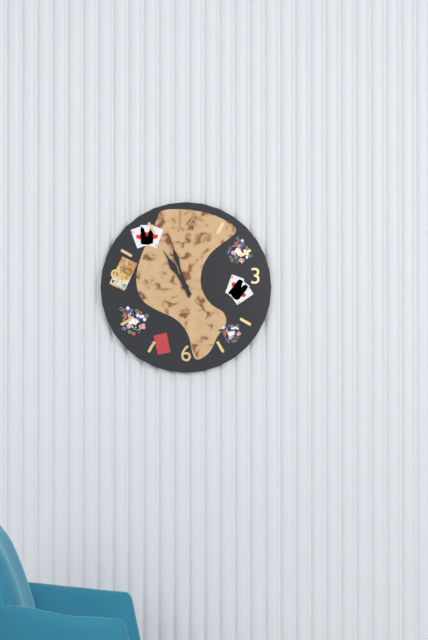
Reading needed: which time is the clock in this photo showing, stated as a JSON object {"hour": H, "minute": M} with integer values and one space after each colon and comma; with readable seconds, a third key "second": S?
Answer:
{"hour": 10, "minute": 57}
